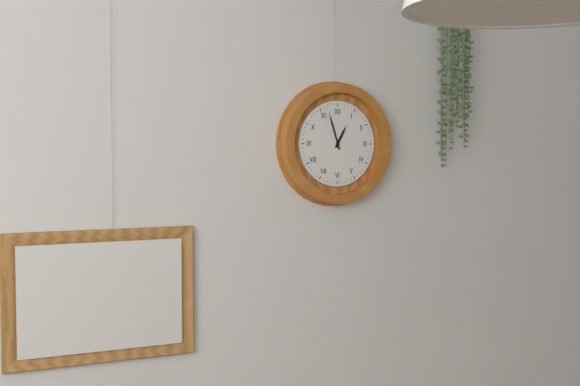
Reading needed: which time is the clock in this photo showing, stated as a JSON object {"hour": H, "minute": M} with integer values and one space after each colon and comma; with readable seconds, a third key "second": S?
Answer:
{"hour": 12, "minute": 57}
